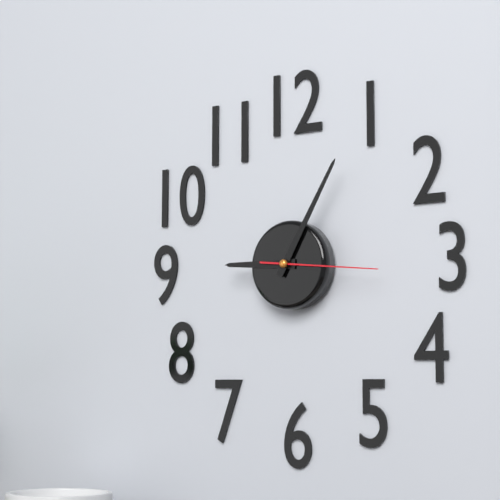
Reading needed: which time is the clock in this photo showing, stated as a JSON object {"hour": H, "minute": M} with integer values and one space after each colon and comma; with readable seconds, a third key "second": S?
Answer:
{"hour": 9, "minute": 5, "second": 16}
